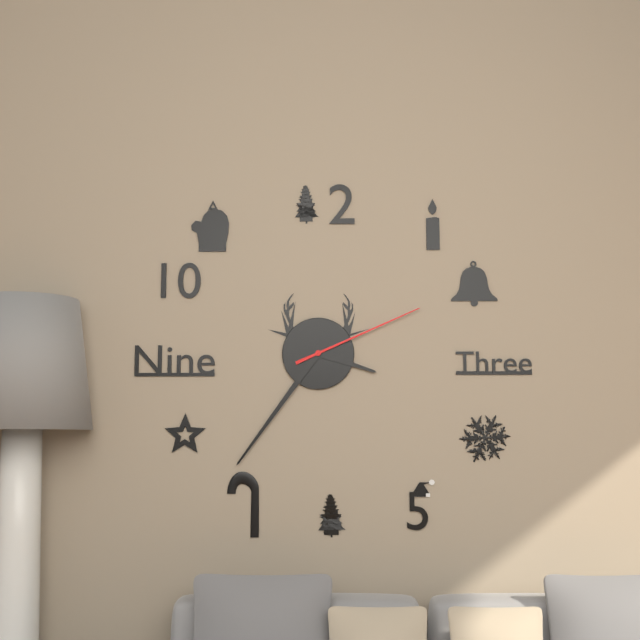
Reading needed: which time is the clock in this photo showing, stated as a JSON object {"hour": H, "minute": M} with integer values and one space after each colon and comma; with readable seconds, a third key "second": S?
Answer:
{"hour": 3, "minute": 36, "second": 11}
